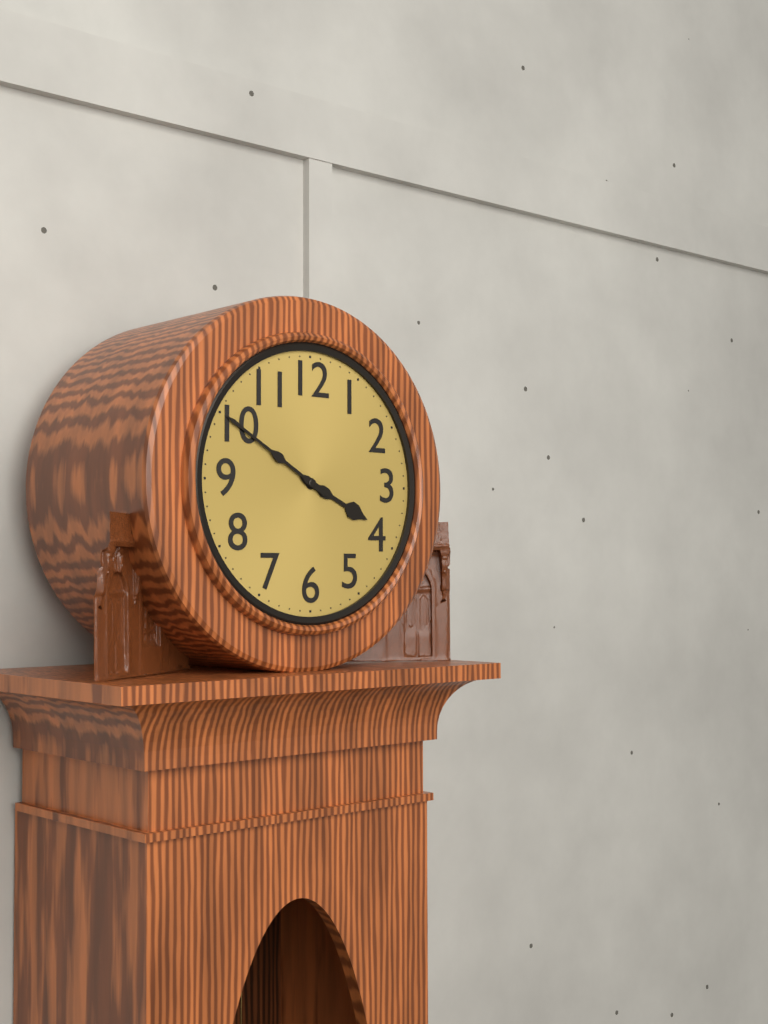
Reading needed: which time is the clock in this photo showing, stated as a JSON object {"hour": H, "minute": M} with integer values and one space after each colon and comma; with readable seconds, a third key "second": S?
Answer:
{"hour": 3, "minute": 50}
